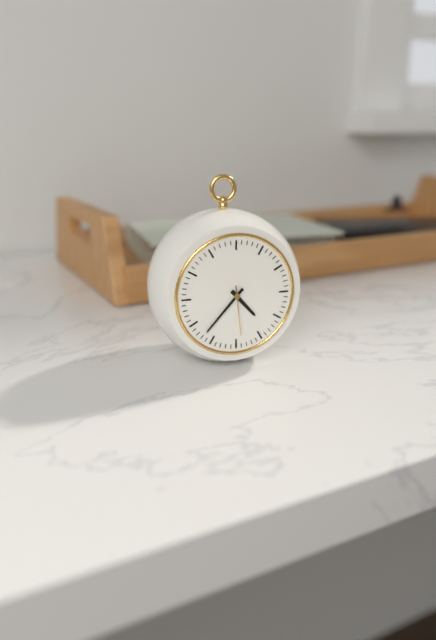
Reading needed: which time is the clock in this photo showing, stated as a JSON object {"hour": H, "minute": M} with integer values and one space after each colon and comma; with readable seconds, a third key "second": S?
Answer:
{"hour": 4, "minute": 37, "second": 29}
